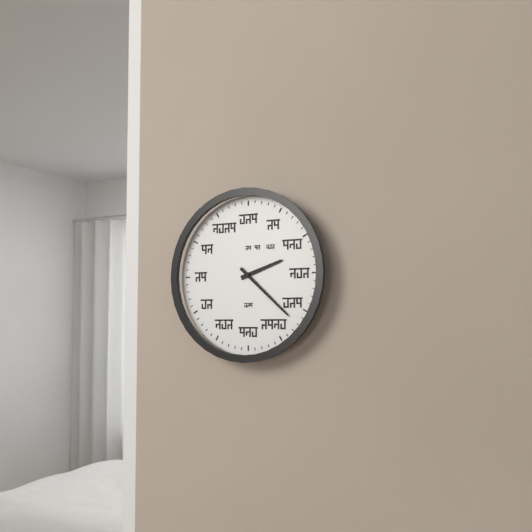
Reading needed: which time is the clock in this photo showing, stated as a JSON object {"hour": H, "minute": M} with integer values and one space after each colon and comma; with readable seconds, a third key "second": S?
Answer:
{"hour": 2, "minute": 22}
